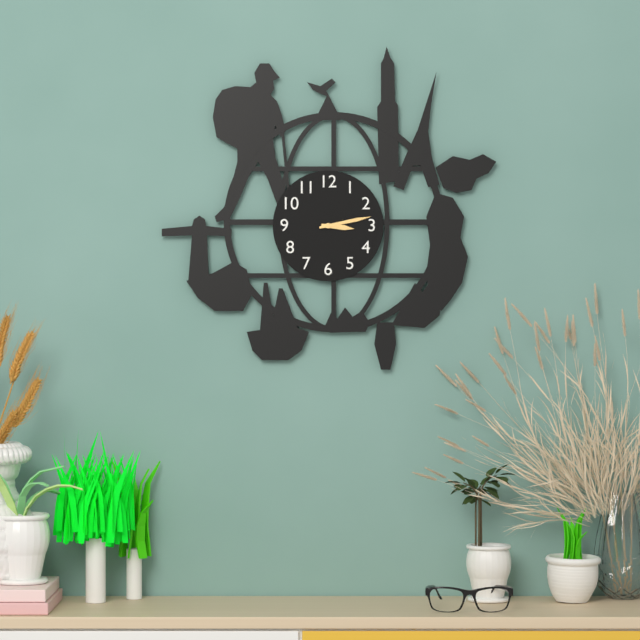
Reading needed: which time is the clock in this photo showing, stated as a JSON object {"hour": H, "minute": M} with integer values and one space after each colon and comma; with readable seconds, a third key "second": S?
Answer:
{"hour": 3, "minute": 13}
